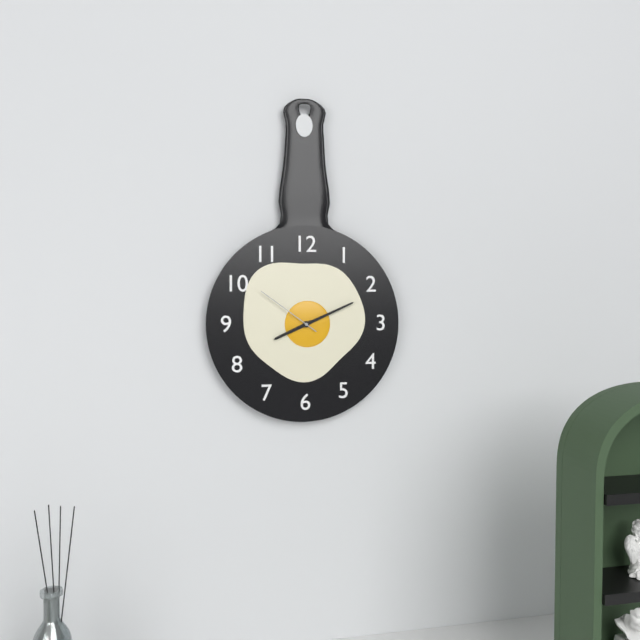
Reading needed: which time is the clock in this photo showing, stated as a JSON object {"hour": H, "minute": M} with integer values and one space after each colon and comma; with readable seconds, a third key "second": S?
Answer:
{"hour": 8, "minute": 11, "second": 51}
